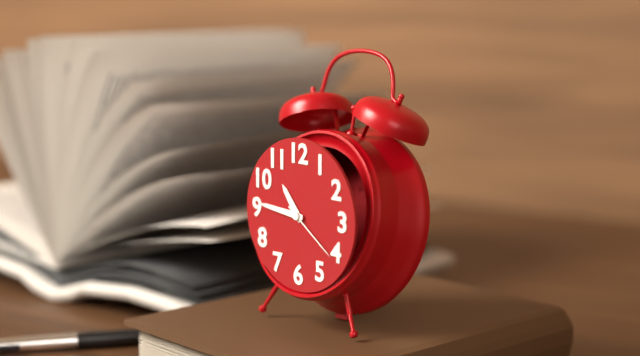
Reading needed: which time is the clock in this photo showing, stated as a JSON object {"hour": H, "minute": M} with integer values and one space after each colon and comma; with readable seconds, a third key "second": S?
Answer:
{"hour": 10, "minute": 46, "second": 21}
